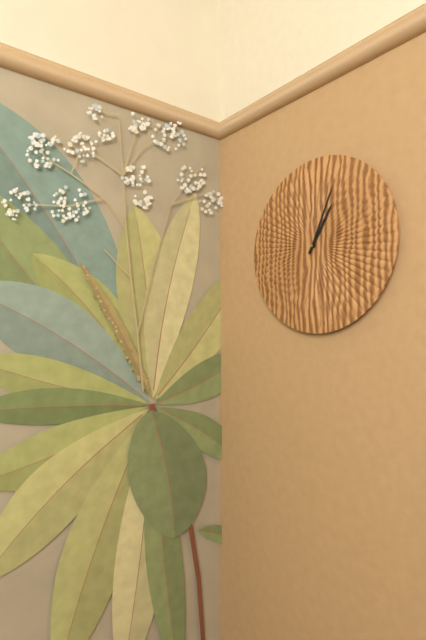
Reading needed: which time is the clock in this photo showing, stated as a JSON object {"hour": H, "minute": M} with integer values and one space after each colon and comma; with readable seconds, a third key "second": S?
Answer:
{"hour": 1, "minute": 4}
